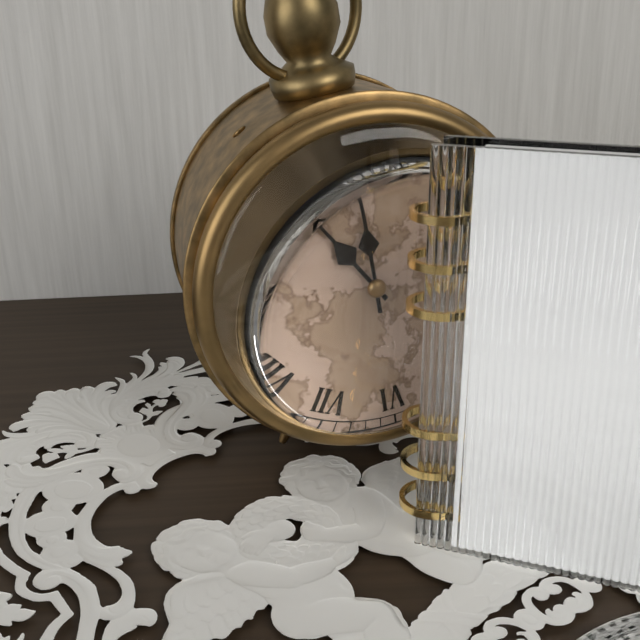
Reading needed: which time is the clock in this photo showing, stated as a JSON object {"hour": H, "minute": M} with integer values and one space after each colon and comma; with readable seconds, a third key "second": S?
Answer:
{"hour": 11, "minute": 0}
